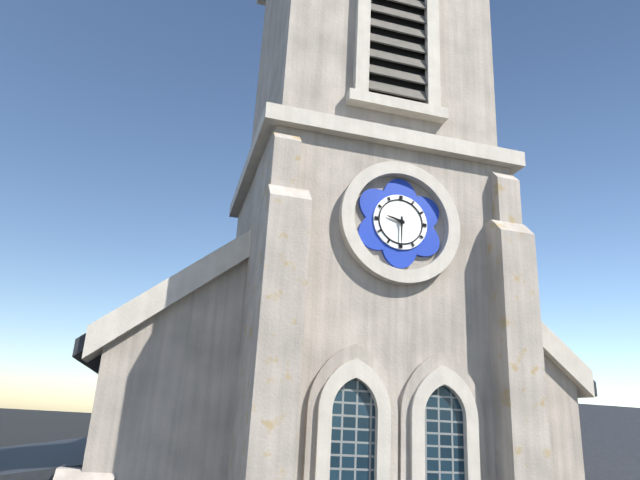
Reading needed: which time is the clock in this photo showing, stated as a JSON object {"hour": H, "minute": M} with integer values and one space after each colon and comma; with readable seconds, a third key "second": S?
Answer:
{"hour": 9, "minute": 30}
